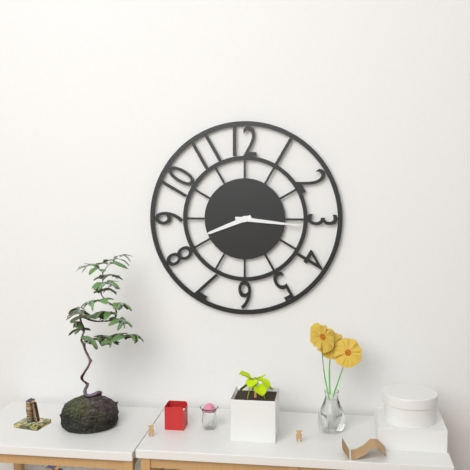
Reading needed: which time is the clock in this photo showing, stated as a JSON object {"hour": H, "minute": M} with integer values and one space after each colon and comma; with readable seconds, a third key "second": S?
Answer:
{"hour": 8, "minute": 16}
